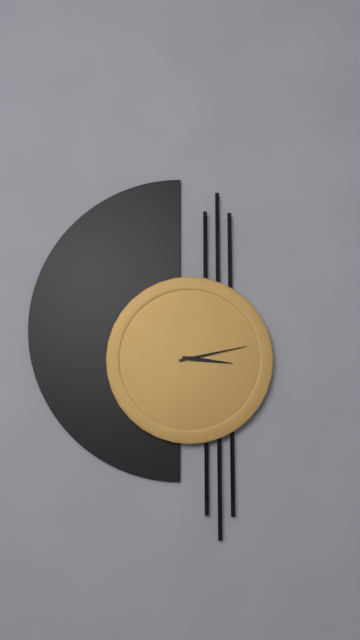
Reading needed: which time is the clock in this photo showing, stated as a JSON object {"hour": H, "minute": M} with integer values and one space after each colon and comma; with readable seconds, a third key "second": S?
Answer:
{"hour": 3, "minute": 13}
